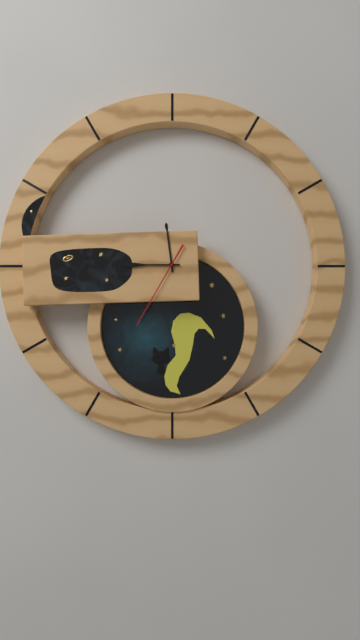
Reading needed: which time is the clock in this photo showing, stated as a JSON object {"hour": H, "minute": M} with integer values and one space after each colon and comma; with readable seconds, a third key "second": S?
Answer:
{"hour": 11, "minute": 45, "second": 35}
